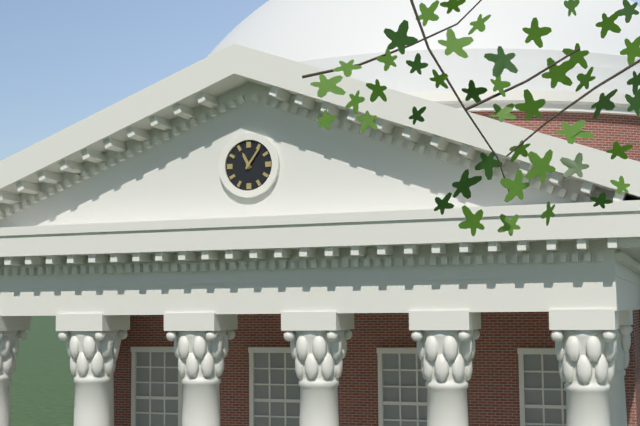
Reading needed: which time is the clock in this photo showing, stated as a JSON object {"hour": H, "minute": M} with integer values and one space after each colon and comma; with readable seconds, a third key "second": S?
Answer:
{"hour": 11, "minute": 6}
